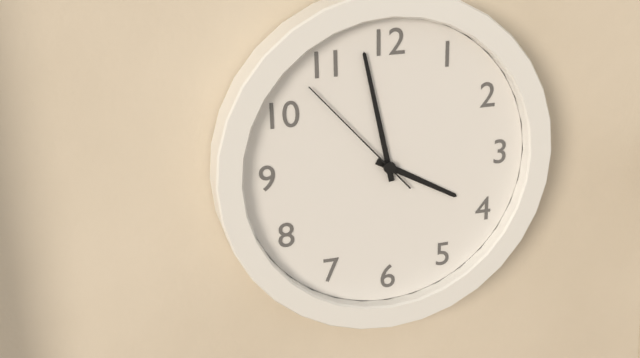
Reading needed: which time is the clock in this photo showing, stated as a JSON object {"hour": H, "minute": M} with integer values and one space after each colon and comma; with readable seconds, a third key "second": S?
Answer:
{"hour": 3, "minute": 58, "second": 53}
